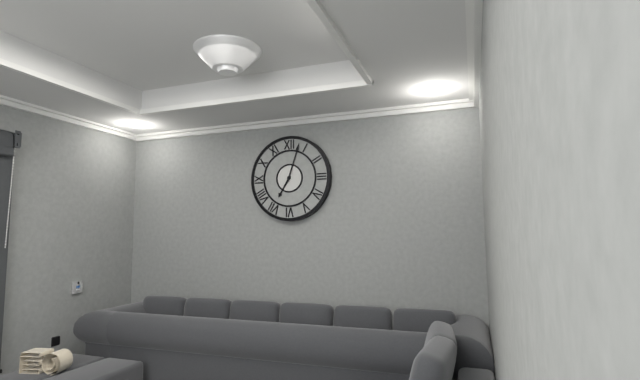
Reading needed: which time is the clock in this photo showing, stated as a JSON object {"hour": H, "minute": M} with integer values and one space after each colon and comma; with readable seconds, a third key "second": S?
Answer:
{"hour": 7, "minute": 3}
